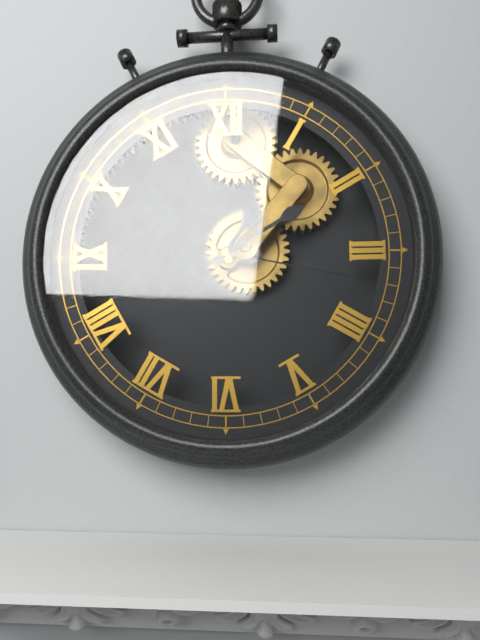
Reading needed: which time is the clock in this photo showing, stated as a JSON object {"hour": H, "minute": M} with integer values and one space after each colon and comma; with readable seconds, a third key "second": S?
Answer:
{"hour": 1, "minute": 10, "second": 17}
